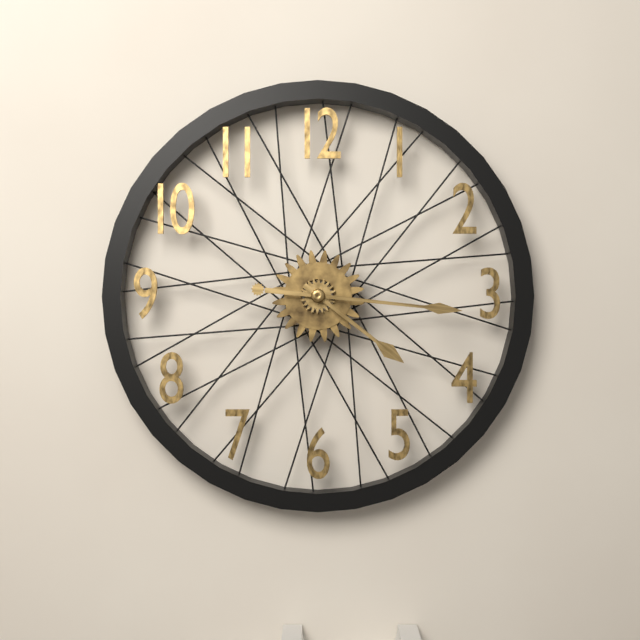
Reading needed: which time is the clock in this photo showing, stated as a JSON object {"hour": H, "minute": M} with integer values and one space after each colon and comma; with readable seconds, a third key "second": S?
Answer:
{"hour": 4, "minute": 16}
